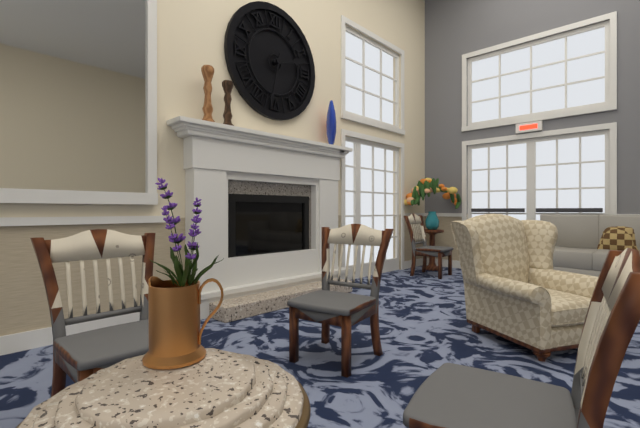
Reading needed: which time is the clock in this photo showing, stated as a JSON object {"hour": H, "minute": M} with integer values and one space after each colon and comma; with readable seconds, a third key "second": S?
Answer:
{"hour": 2, "minute": 32}
